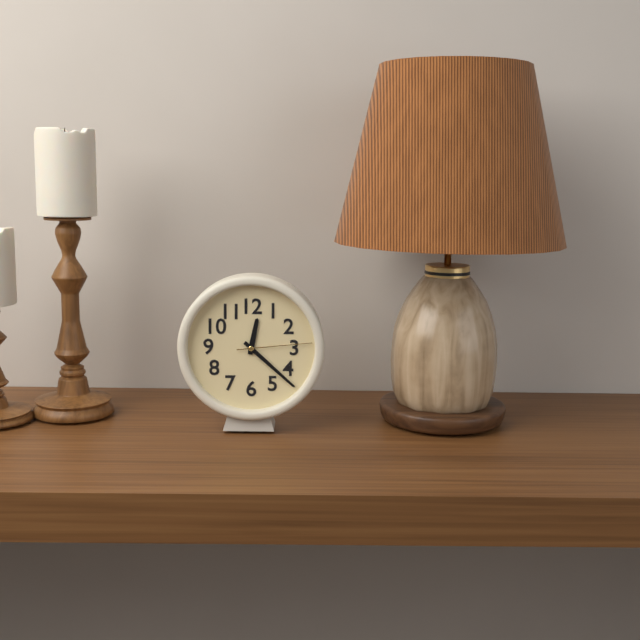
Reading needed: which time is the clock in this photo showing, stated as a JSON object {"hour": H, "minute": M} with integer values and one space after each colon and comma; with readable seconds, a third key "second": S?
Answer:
{"hour": 12, "minute": 22, "second": 14}
